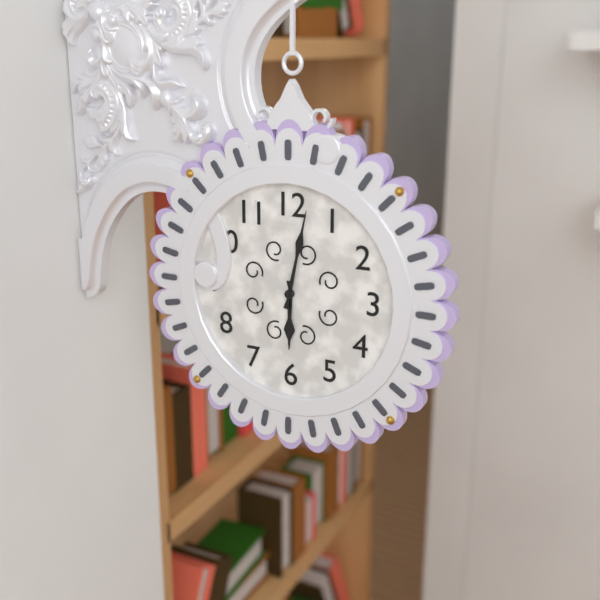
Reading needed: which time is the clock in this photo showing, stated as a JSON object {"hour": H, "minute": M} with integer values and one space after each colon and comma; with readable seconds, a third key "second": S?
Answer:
{"hour": 6, "minute": 2}
